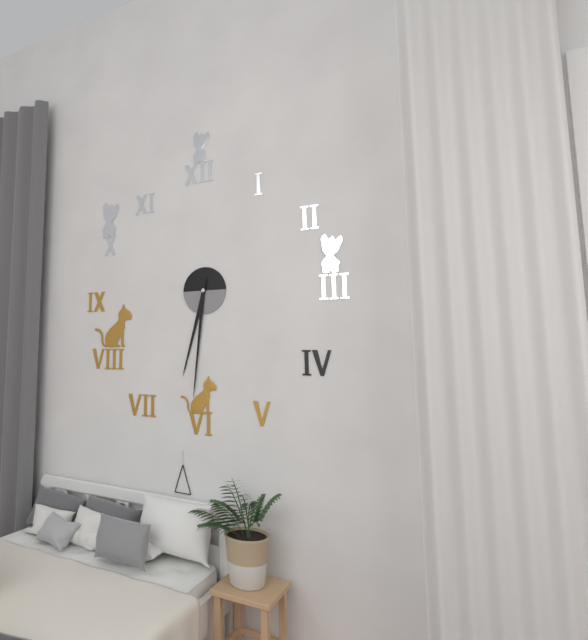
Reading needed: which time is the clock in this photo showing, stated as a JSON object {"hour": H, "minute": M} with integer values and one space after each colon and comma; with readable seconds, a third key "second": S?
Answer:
{"hour": 6, "minute": 31}
